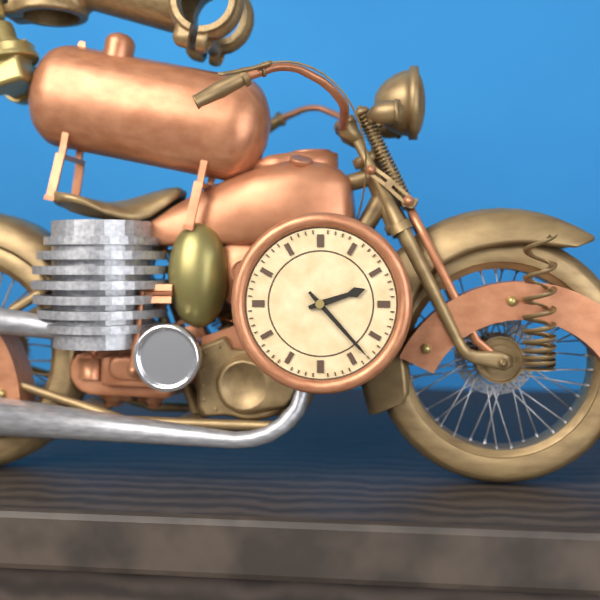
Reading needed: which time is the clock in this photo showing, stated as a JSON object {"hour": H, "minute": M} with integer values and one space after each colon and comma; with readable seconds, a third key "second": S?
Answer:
{"hour": 2, "minute": 23}
